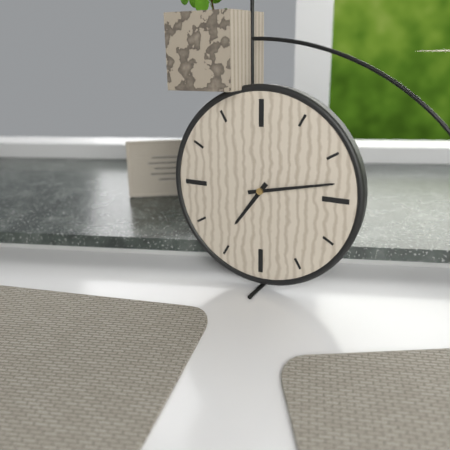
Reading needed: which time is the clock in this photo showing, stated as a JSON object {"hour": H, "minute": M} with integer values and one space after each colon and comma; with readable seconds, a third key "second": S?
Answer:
{"hour": 7, "minute": 13}
